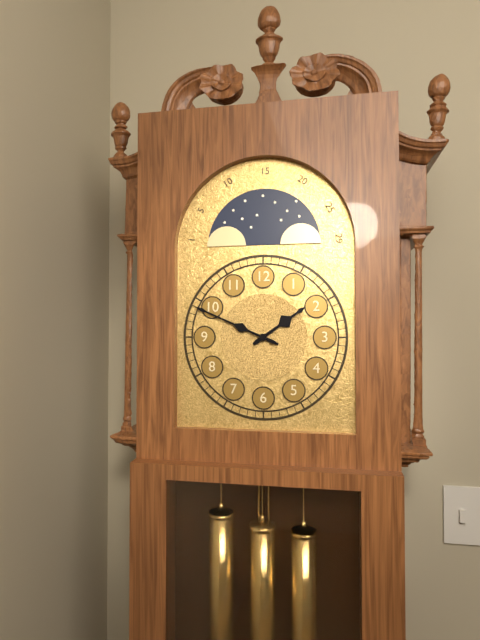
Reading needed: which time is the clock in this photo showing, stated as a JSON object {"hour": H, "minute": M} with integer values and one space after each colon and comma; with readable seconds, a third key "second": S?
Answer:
{"hour": 1, "minute": 49}
